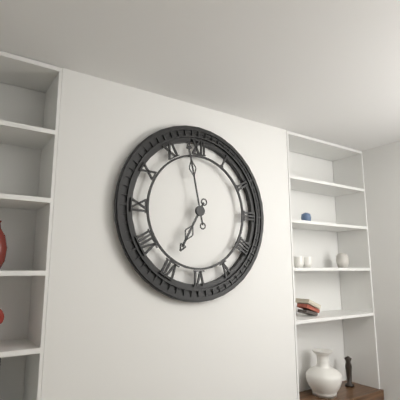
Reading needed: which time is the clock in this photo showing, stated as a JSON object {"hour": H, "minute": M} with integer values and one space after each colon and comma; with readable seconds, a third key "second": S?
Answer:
{"hour": 6, "minute": 58}
